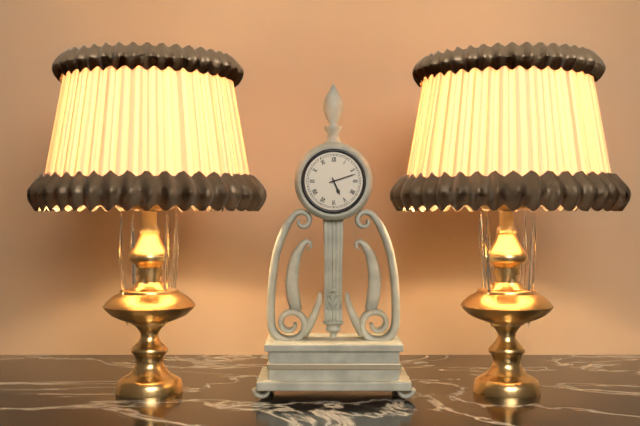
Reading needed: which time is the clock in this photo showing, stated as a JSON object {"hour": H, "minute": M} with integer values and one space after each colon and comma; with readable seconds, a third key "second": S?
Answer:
{"hour": 5, "minute": 12}
